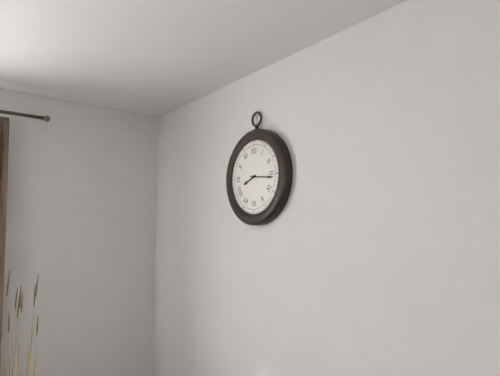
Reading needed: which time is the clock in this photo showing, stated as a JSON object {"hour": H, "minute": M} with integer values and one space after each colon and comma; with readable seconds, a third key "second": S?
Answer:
{"hour": 8, "minute": 16}
